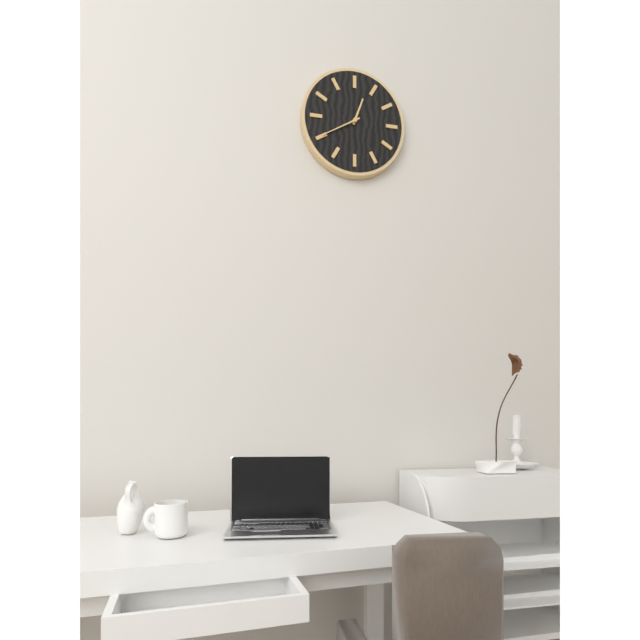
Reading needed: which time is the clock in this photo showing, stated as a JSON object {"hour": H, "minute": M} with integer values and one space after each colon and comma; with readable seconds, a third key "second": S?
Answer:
{"hour": 12, "minute": 40}
